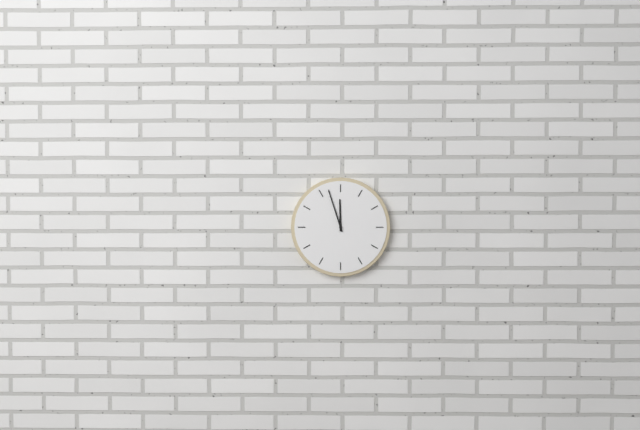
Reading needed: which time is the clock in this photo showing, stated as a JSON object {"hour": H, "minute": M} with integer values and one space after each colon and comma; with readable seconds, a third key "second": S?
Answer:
{"hour": 11, "minute": 57}
